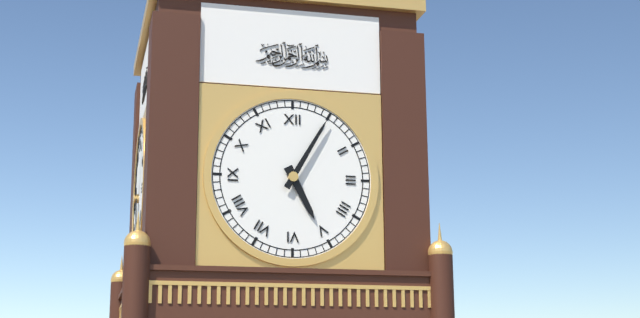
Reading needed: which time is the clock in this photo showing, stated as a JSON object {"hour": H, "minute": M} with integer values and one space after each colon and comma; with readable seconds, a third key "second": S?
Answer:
{"hour": 5, "minute": 5}
